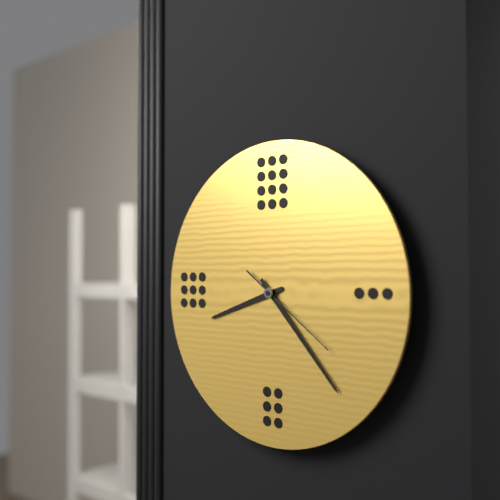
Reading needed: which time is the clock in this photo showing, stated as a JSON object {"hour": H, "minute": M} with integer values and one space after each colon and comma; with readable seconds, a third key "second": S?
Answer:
{"hour": 8, "minute": 23, "second": 21}
